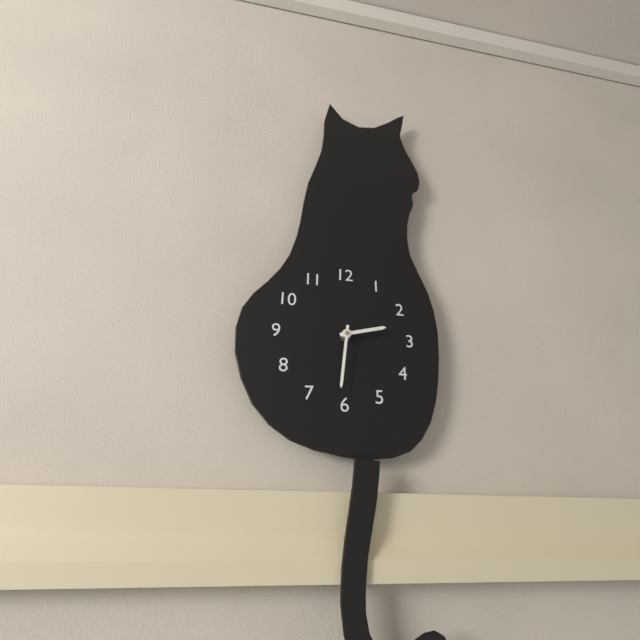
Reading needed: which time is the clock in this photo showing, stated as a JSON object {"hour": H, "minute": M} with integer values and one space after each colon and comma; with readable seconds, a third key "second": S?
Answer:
{"hour": 2, "minute": 31}
